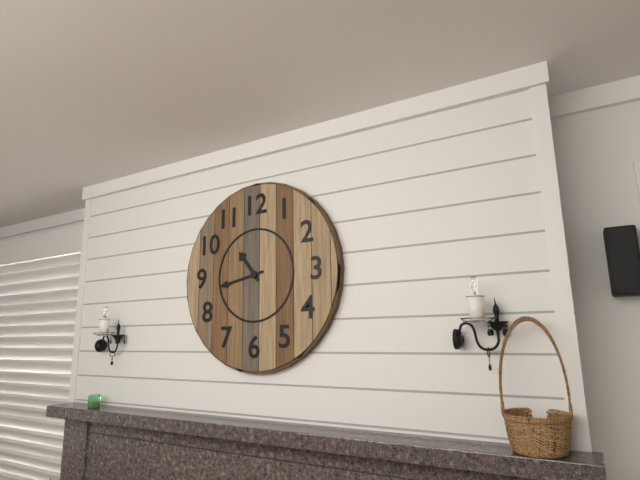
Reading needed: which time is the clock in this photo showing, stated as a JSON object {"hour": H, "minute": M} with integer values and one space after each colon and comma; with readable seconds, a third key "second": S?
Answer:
{"hour": 10, "minute": 43}
